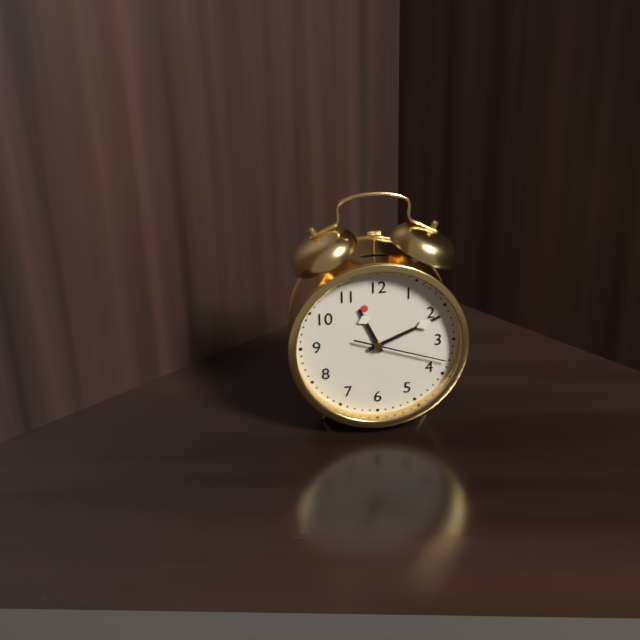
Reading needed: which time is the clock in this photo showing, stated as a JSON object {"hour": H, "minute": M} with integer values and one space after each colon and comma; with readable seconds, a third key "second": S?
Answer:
{"hour": 11, "minute": 11, "second": 18}
